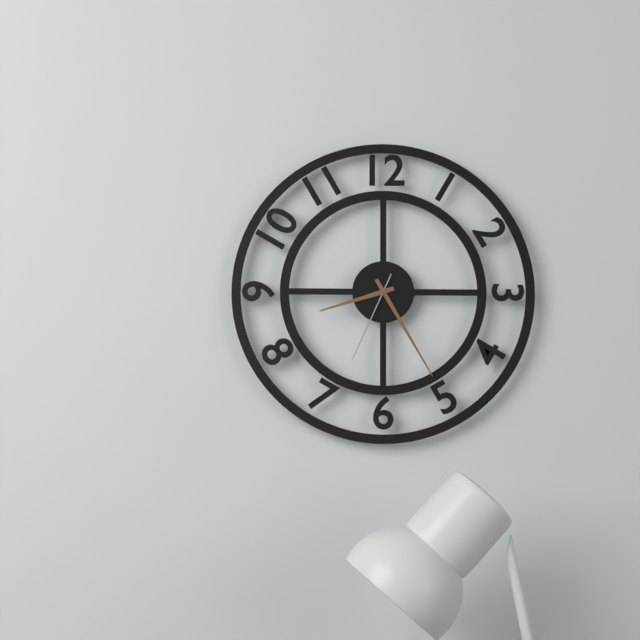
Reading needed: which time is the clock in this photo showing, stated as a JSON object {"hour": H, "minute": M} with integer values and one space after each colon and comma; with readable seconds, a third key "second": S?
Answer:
{"hour": 8, "minute": 25, "second": 34}
